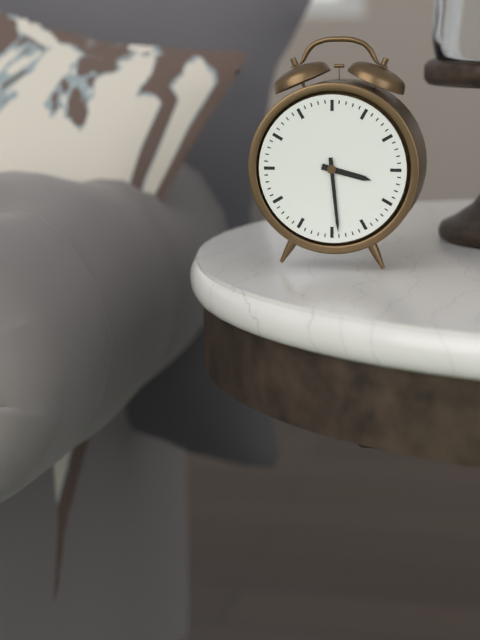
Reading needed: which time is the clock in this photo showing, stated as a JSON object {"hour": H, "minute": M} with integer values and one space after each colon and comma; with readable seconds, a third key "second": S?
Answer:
{"hour": 3, "minute": 29}
